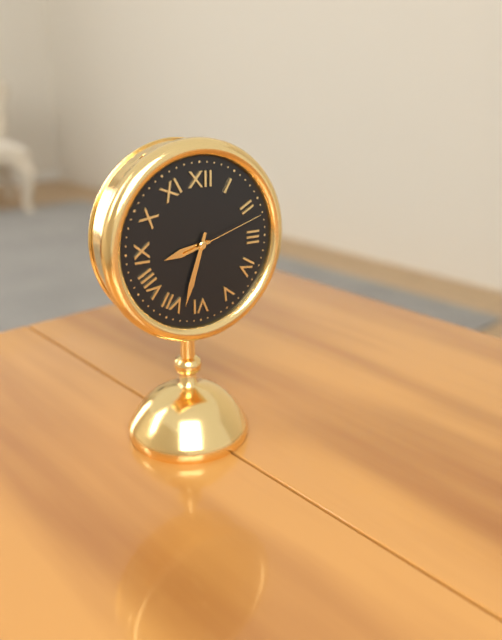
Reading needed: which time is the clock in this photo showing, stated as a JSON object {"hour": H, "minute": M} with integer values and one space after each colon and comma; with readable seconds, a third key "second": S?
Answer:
{"hour": 8, "minute": 33, "second": 12}
